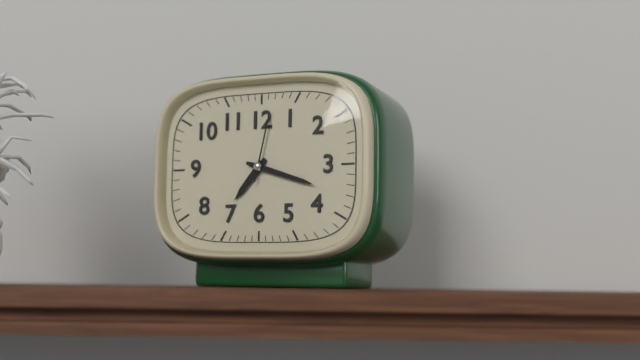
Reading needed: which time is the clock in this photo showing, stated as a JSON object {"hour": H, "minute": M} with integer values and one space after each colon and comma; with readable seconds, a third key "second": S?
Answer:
{"hour": 7, "minute": 18, "second": 2}
